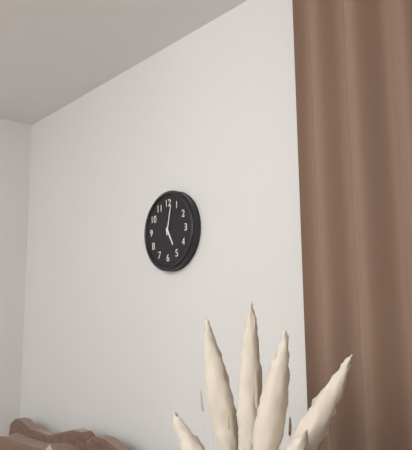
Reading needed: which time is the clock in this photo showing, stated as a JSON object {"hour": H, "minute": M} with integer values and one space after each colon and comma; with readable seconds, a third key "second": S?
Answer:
{"hour": 5, "minute": 2}
